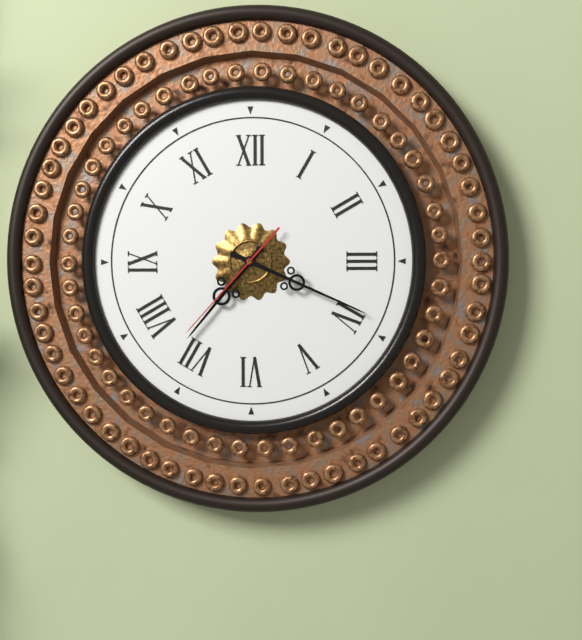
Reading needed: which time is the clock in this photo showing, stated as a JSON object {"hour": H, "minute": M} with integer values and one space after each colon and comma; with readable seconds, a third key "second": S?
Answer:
{"hour": 7, "minute": 19, "second": 37}
